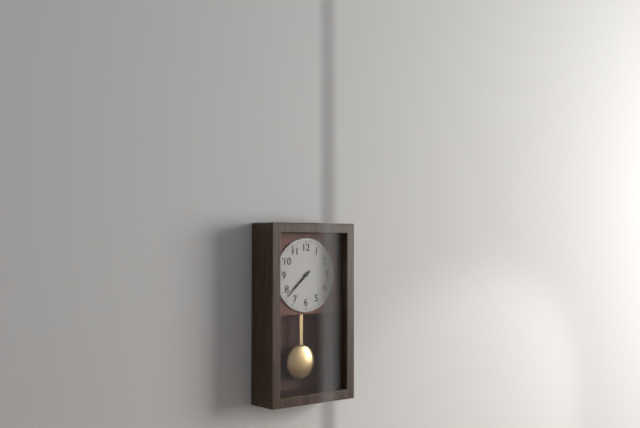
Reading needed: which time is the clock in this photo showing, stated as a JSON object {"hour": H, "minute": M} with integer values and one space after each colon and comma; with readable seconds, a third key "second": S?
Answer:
{"hour": 7, "minute": 38}
